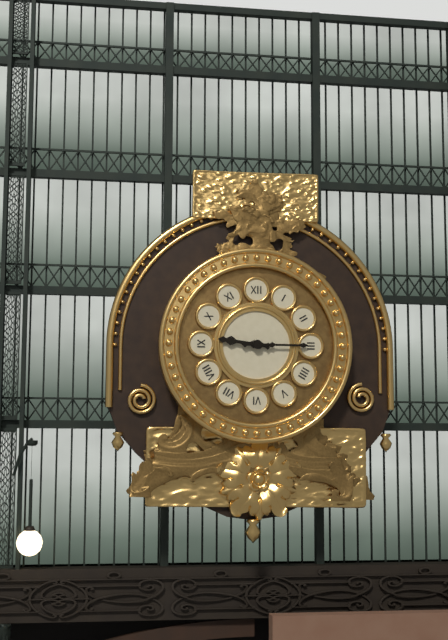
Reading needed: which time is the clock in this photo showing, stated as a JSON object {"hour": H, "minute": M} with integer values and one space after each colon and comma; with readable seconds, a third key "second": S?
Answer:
{"hour": 9, "minute": 15}
